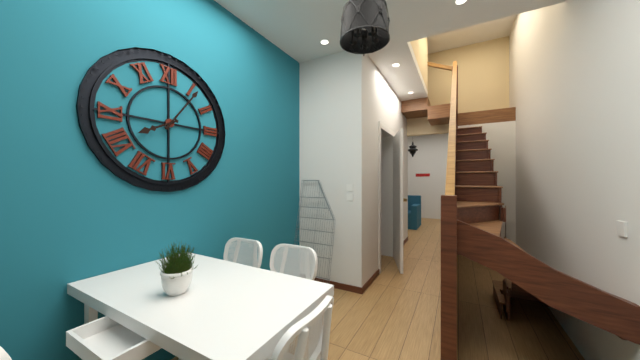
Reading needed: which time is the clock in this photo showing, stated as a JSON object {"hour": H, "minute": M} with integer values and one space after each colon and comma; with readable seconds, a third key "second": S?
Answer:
{"hour": 8, "minute": 6}
